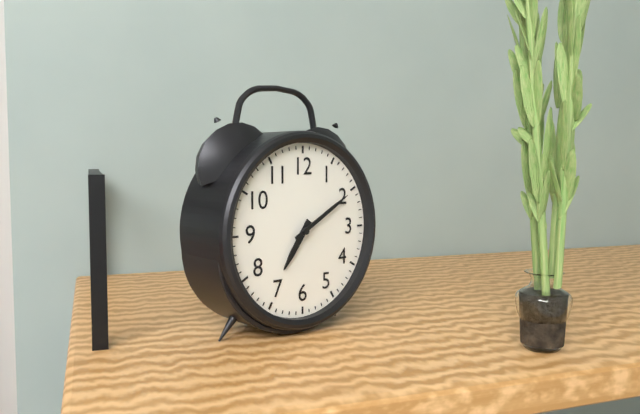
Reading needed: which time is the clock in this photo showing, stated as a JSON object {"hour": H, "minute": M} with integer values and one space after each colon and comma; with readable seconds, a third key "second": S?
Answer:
{"hour": 7, "minute": 10}
